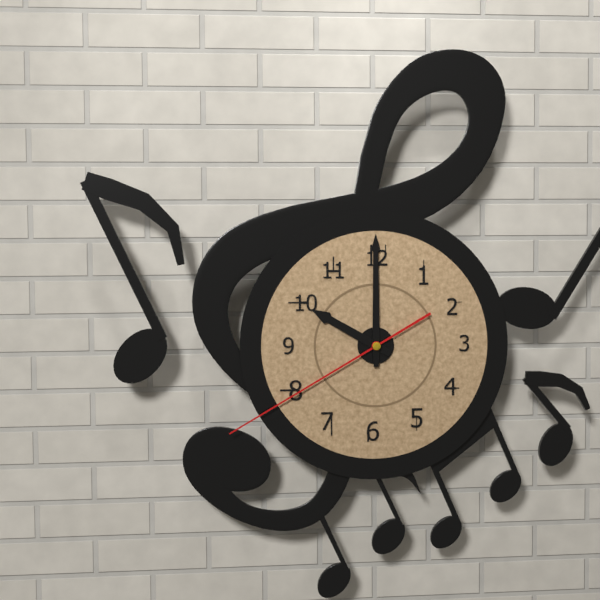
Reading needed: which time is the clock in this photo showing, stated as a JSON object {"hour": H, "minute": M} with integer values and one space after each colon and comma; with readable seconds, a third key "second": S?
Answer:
{"hour": 10, "minute": 0, "second": 40}
